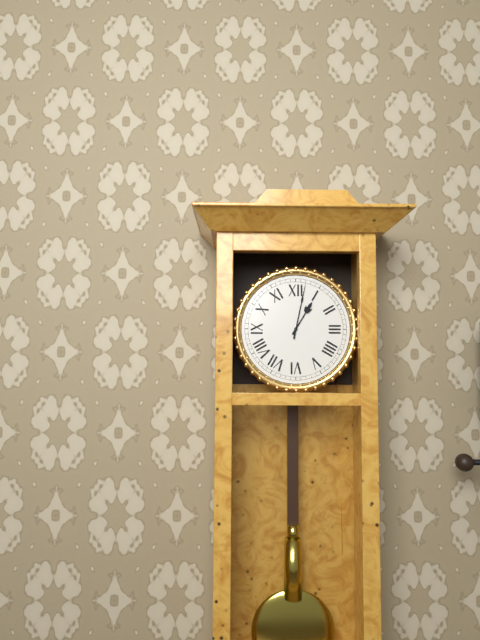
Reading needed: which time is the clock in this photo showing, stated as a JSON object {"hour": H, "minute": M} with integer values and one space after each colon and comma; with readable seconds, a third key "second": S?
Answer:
{"hour": 1, "minute": 2}
